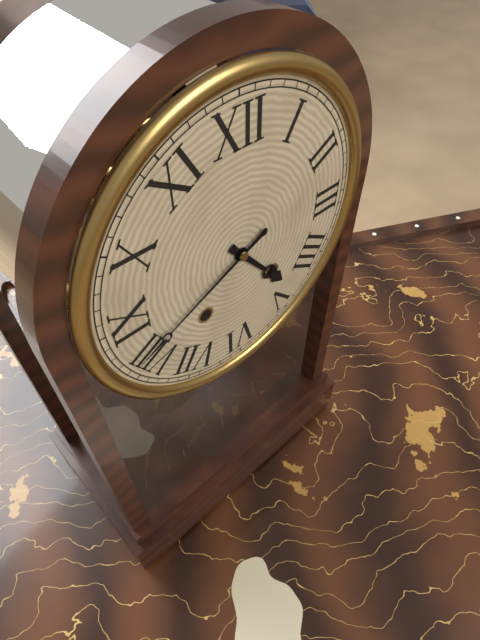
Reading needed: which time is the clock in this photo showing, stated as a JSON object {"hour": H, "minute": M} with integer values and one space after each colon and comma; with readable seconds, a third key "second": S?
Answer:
{"hour": 4, "minute": 41}
